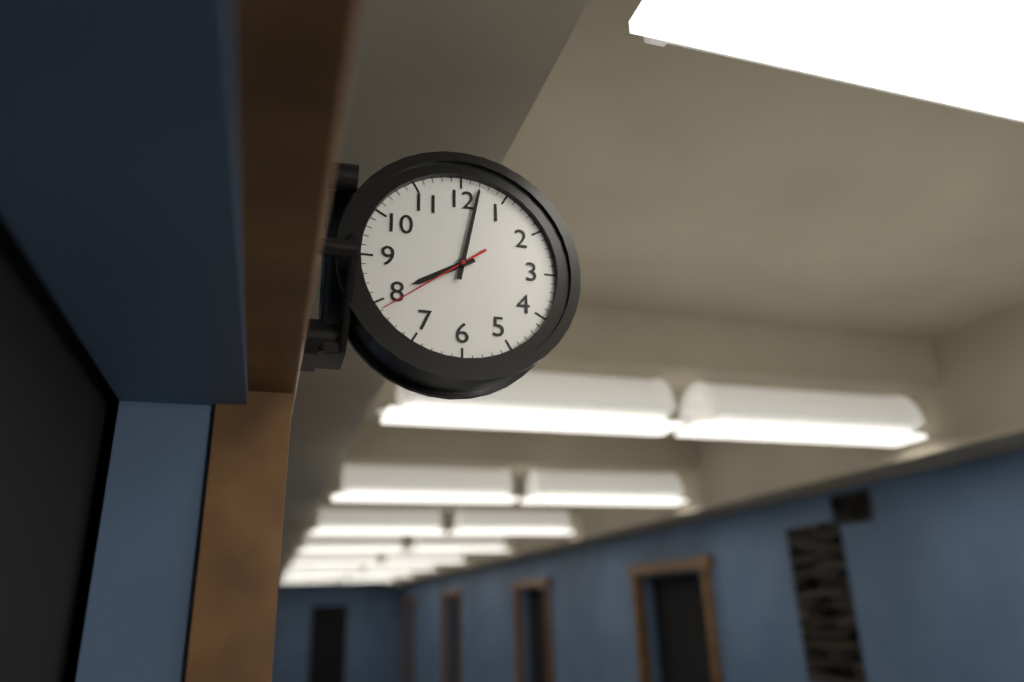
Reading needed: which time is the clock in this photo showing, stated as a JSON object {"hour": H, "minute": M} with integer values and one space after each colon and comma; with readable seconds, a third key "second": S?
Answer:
{"hour": 8, "minute": 2, "second": 39}
